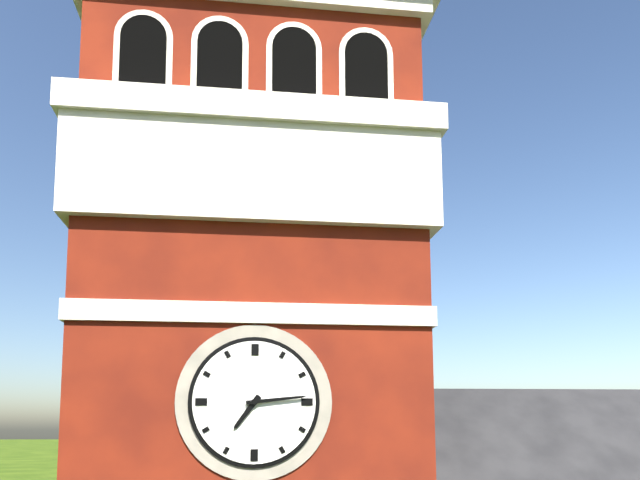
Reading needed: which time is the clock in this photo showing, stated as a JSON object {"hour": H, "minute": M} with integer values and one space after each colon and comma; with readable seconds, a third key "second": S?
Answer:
{"hour": 7, "minute": 14}
